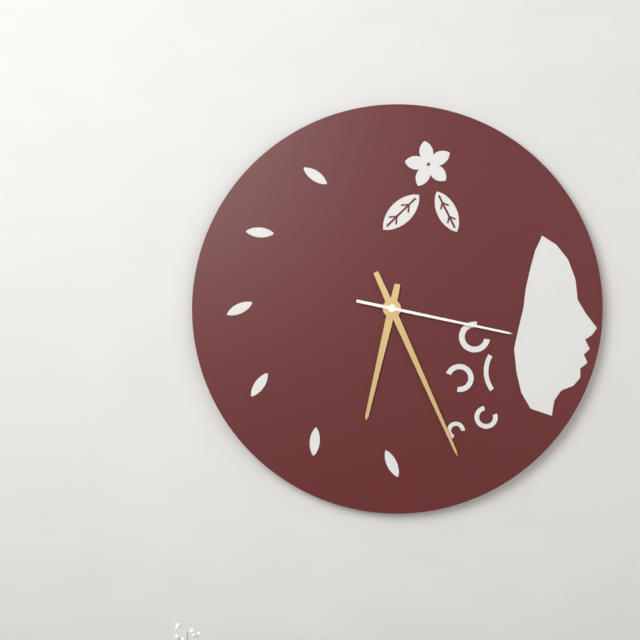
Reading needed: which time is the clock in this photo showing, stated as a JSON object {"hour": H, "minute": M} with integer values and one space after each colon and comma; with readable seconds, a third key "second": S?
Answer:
{"hour": 6, "minute": 26, "second": 17}
